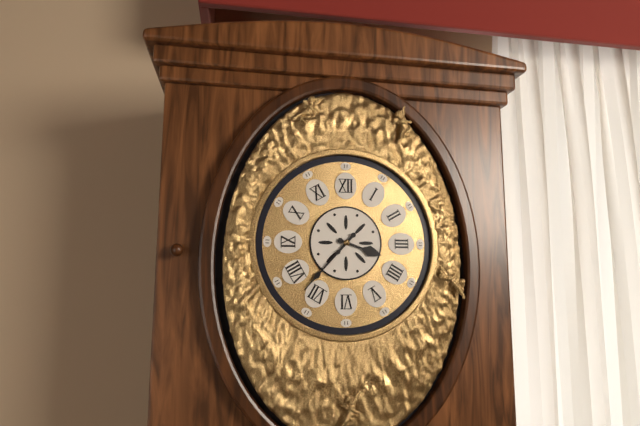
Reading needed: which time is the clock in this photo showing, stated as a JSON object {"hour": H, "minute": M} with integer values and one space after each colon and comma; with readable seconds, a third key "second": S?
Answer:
{"hour": 3, "minute": 37}
